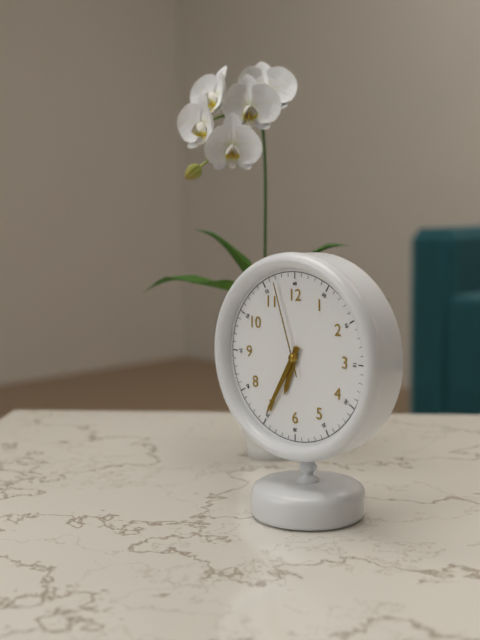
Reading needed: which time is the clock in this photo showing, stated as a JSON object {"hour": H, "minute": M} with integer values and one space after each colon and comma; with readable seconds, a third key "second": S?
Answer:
{"hour": 6, "minute": 35, "second": 57}
